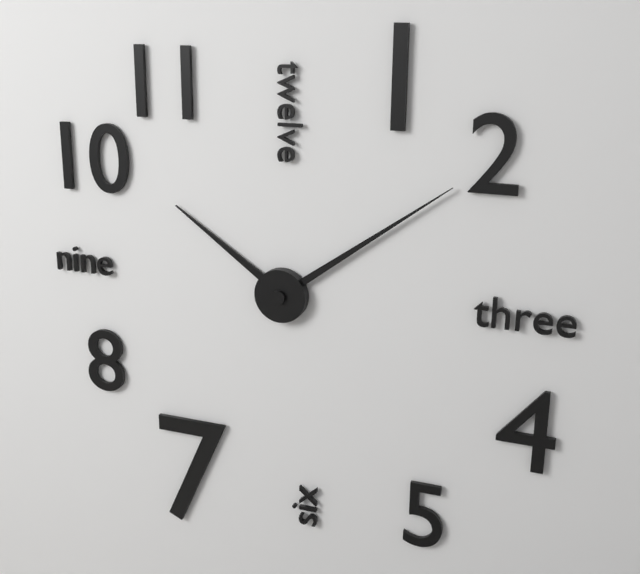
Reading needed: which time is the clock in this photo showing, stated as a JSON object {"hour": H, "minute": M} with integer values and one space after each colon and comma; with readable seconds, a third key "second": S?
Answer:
{"hour": 10, "minute": 9}
